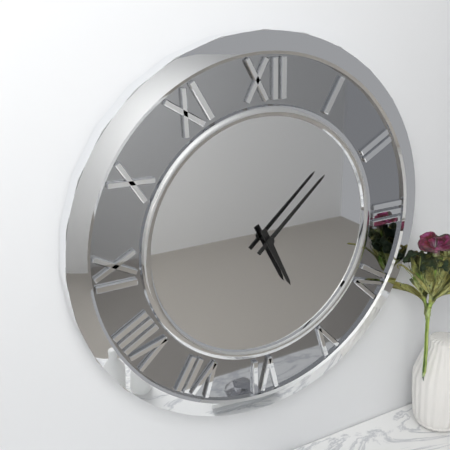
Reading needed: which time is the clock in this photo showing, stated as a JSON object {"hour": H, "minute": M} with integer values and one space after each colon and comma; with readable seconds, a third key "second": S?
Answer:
{"hour": 5, "minute": 8}
